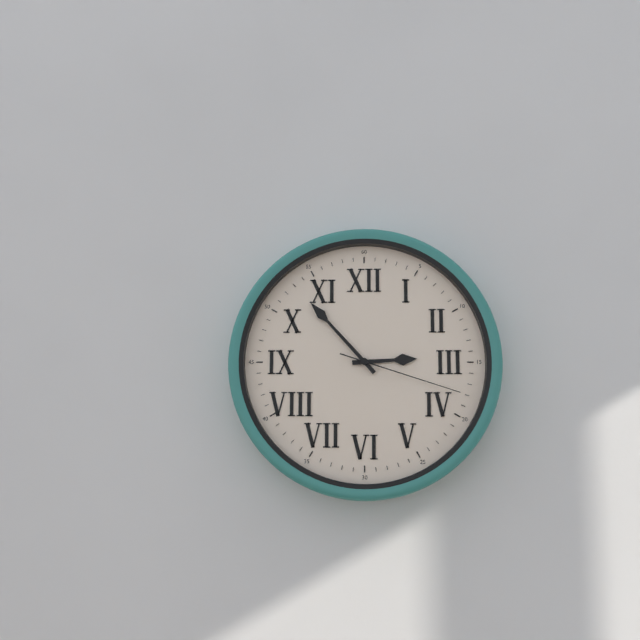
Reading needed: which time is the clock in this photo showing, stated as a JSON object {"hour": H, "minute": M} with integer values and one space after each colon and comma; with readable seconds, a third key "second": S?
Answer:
{"hour": 2, "minute": 53, "second": 18}
